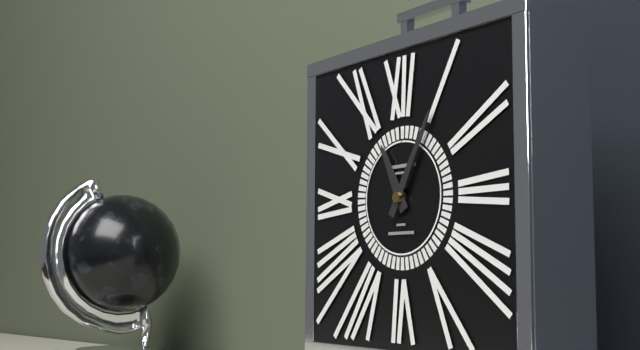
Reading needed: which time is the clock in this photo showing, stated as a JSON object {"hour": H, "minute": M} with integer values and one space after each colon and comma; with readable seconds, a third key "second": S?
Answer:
{"hour": 11, "minute": 5}
